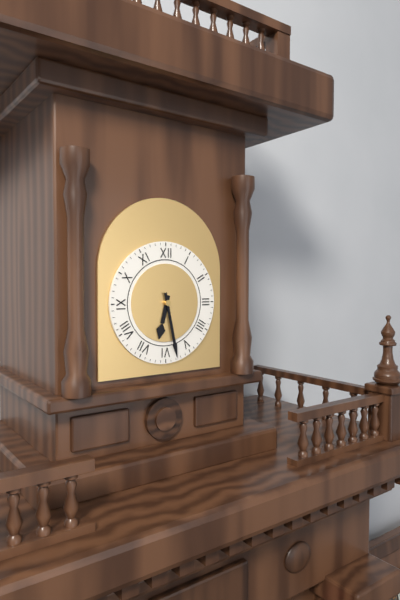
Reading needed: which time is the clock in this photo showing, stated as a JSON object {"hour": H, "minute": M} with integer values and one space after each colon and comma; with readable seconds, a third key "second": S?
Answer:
{"hour": 6, "minute": 28}
